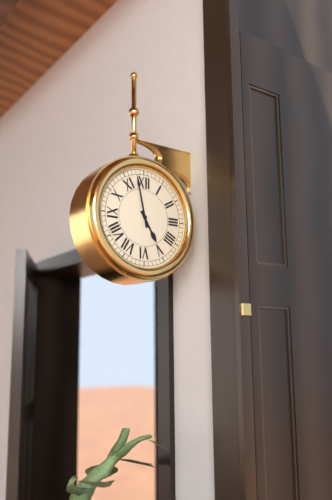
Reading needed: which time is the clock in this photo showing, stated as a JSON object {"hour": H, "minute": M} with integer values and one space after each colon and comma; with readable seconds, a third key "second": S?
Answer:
{"hour": 4, "minute": 58}
